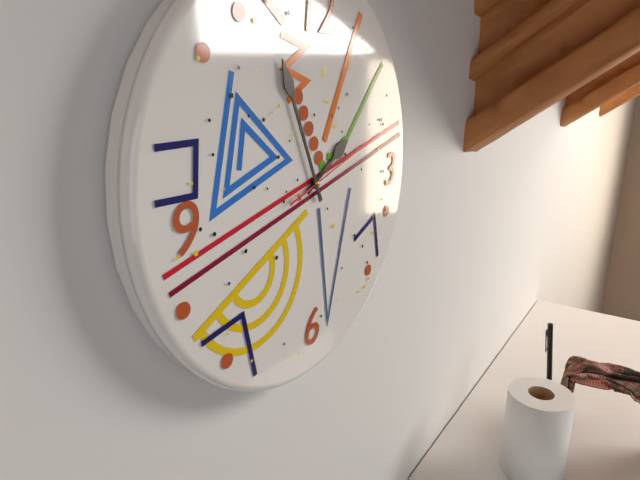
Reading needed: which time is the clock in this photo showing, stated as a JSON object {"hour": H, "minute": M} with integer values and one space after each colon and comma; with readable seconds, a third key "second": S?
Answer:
{"hour": 1, "minute": 56, "second": 12}
